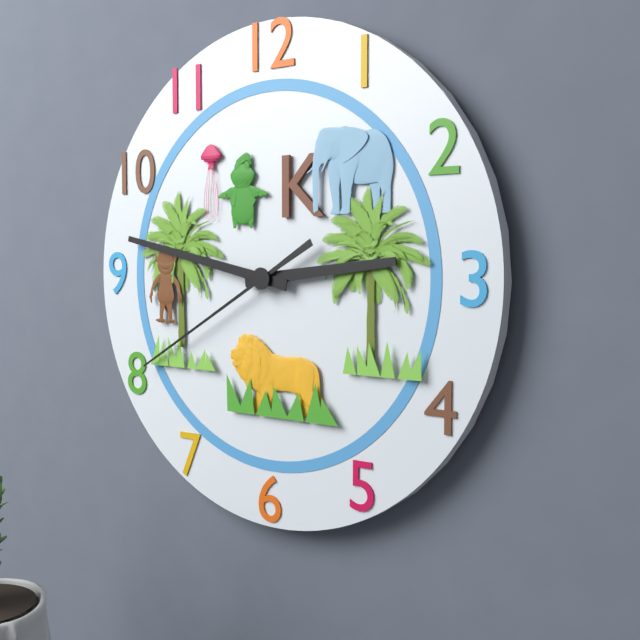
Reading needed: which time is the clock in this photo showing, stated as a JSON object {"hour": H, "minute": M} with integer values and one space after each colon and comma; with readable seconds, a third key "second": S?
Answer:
{"hour": 2, "minute": 47, "second": 40}
